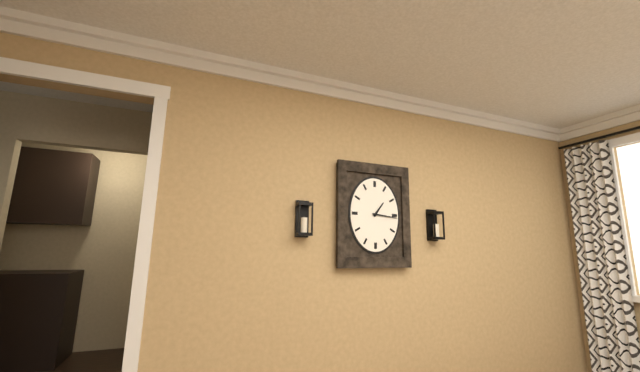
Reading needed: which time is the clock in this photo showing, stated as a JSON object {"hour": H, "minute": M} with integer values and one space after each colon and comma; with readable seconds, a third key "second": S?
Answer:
{"hour": 1, "minute": 16}
